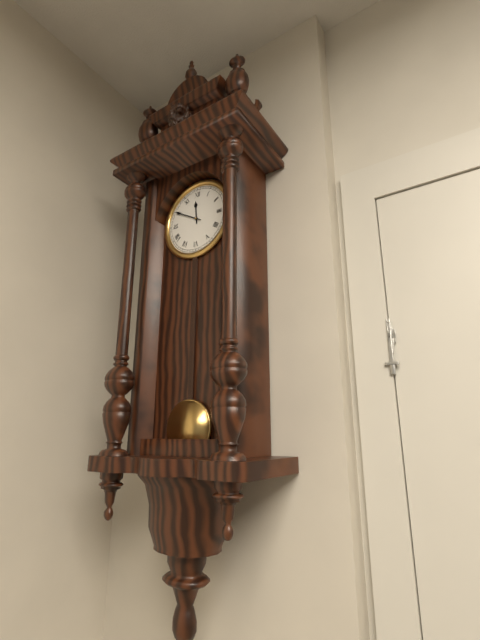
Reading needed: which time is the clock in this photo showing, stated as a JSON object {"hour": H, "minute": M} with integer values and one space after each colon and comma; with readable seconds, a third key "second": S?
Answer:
{"hour": 11, "minute": 50}
